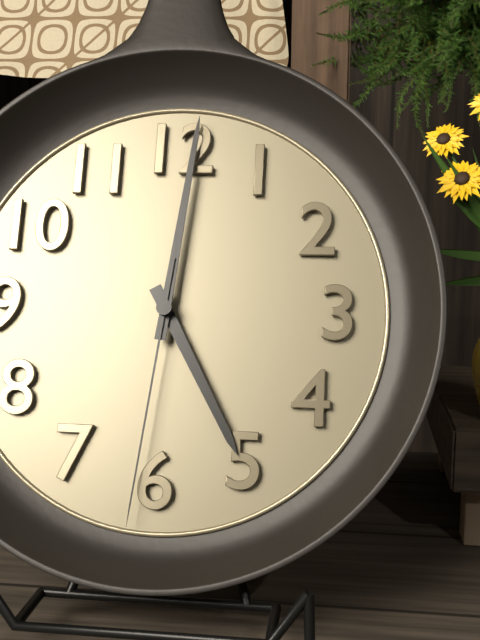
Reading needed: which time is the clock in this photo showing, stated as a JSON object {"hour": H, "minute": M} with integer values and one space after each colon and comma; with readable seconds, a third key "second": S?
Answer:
{"hour": 5, "minute": 1, "second": 31}
